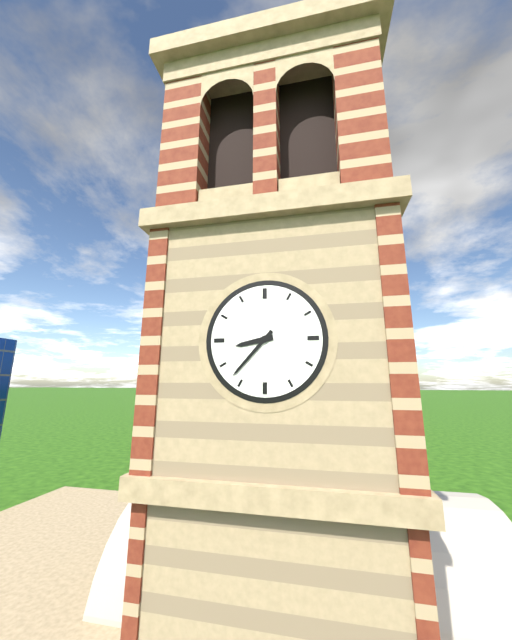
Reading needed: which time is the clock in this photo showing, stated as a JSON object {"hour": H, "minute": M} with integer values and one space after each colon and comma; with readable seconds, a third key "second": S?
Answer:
{"hour": 8, "minute": 37}
